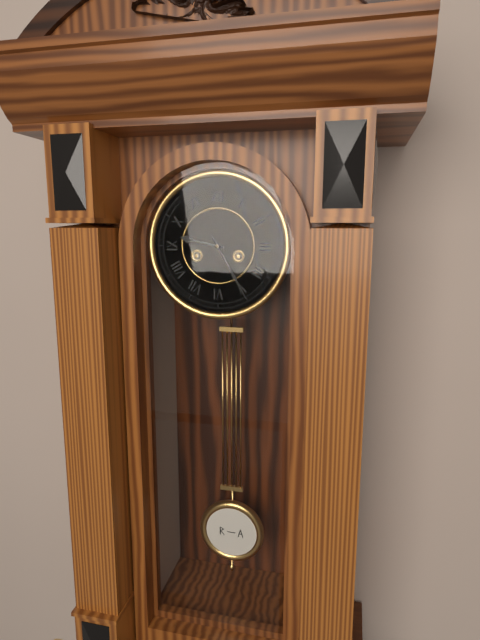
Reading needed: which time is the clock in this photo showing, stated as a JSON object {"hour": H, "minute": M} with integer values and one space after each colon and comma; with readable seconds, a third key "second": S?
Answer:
{"hour": 9, "minute": 25}
